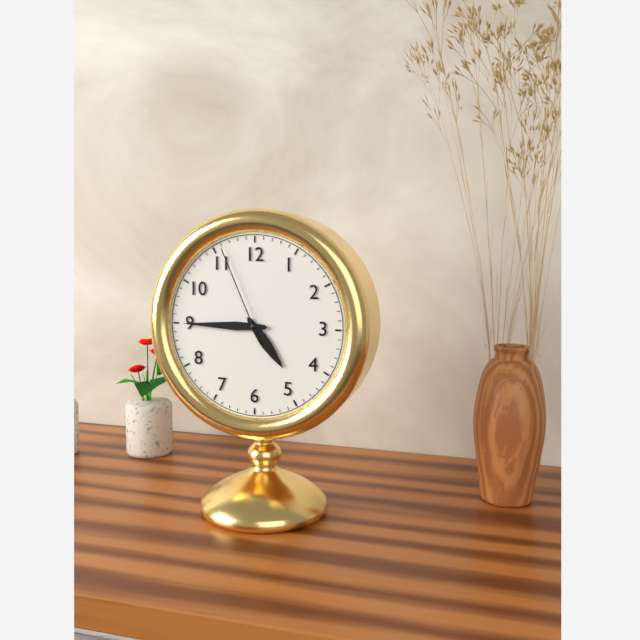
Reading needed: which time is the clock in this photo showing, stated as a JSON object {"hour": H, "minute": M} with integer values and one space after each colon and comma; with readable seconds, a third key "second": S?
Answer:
{"hour": 4, "minute": 45, "second": 56}
